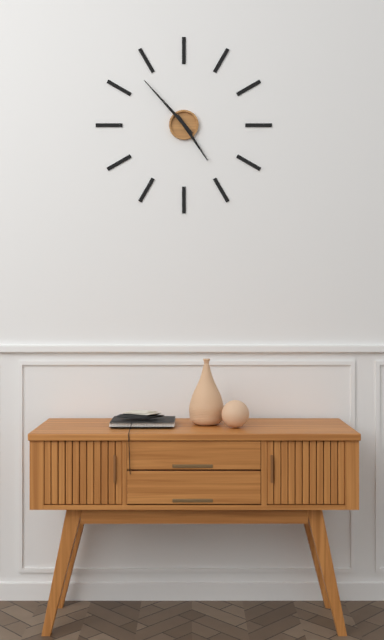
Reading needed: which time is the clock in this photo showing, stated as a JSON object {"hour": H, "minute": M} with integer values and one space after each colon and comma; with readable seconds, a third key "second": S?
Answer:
{"hour": 4, "minute": 53}
